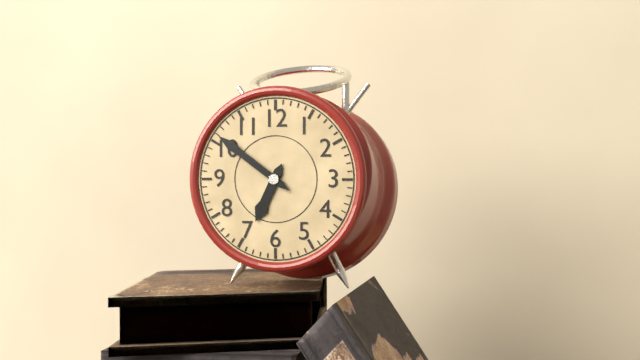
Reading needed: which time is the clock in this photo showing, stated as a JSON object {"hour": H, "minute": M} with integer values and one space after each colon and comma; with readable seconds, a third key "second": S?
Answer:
{"hour": 6, "minute": 51}
